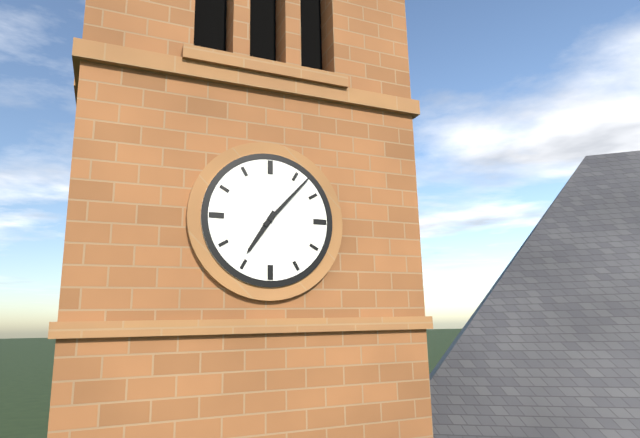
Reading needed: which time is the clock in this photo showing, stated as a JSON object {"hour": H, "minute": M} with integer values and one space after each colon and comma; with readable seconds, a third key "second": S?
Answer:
{"hour": 7, "minute": 7}
